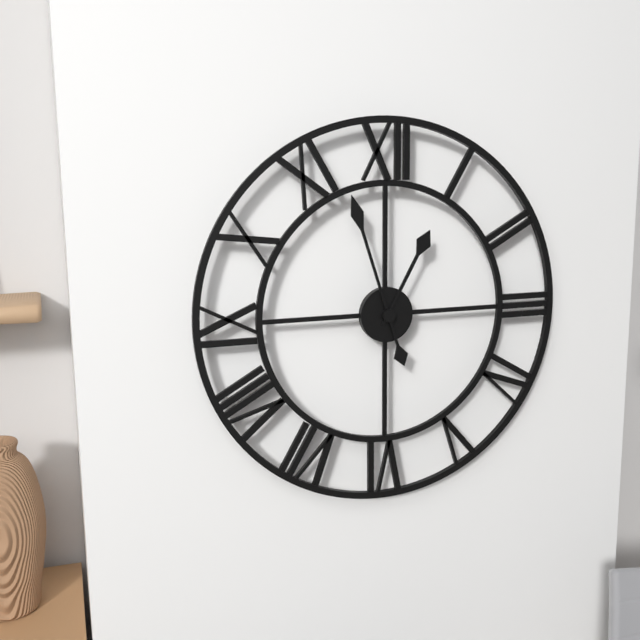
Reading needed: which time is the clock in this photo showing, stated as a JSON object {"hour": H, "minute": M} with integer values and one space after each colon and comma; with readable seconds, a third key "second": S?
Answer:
{"hour": 12, "minute": 57}
